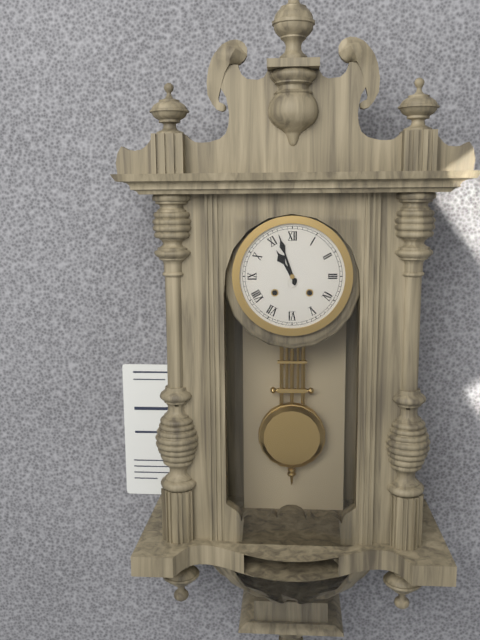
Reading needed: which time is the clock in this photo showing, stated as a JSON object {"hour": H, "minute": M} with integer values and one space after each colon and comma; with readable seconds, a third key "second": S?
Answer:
{"hour": 10, "minute": 57}
